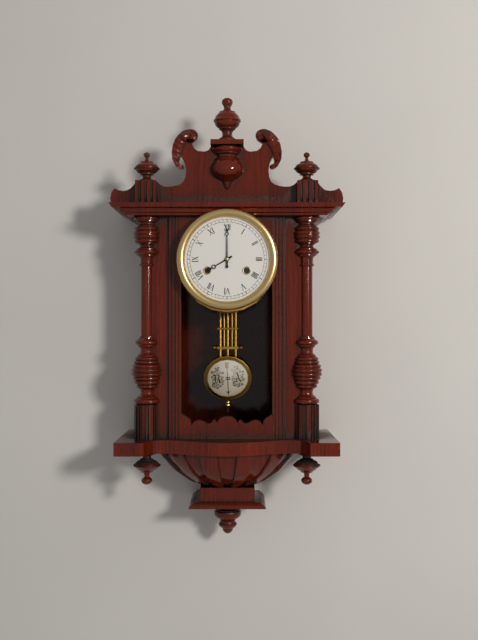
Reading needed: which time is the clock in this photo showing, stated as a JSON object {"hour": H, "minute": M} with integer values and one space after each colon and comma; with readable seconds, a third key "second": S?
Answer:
{"hour": 8, "minute": 0}
